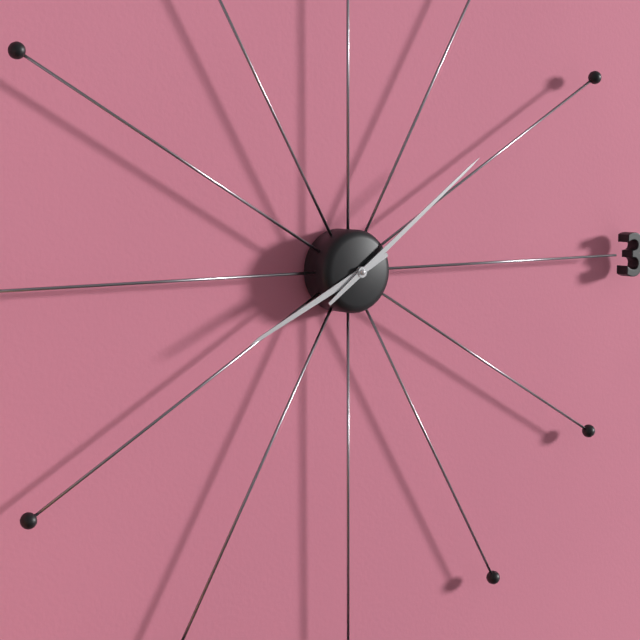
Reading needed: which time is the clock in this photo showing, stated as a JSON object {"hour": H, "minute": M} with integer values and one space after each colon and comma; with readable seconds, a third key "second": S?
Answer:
{"hour": 8, "minute": 9}
